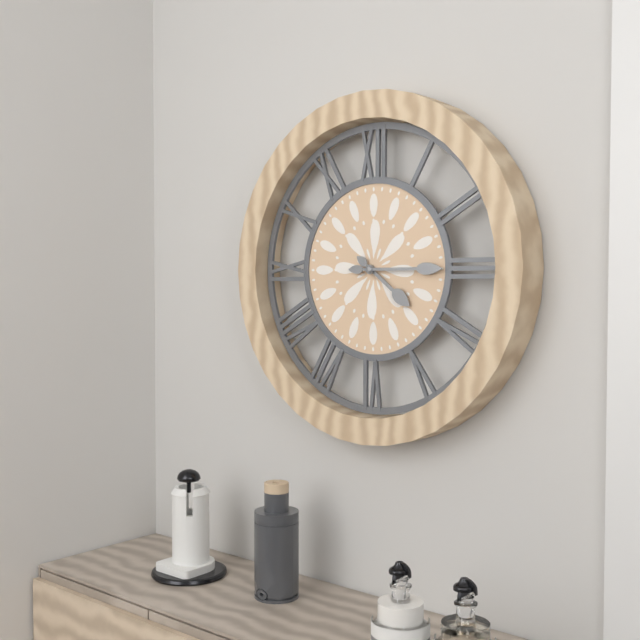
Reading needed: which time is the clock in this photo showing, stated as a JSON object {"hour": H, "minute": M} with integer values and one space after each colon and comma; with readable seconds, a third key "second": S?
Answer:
{"hour": 4, "minute": 15}
